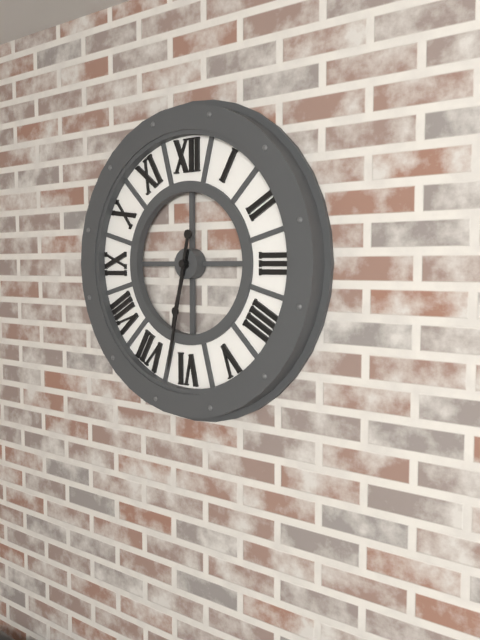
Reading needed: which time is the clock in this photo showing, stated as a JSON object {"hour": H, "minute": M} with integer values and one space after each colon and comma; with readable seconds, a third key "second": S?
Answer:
{"hour": 6, "minute": 32}
